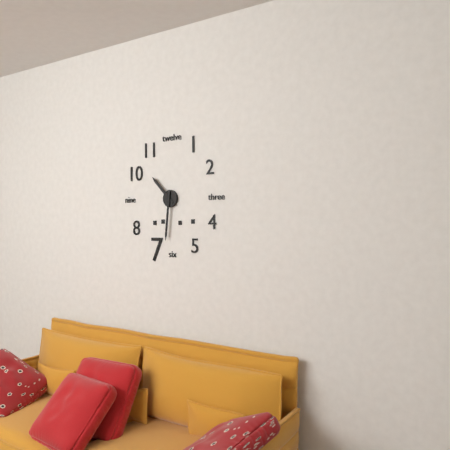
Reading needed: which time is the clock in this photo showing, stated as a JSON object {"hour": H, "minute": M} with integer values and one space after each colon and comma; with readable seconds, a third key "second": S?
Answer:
{"hour": 10, "minute": 31}
